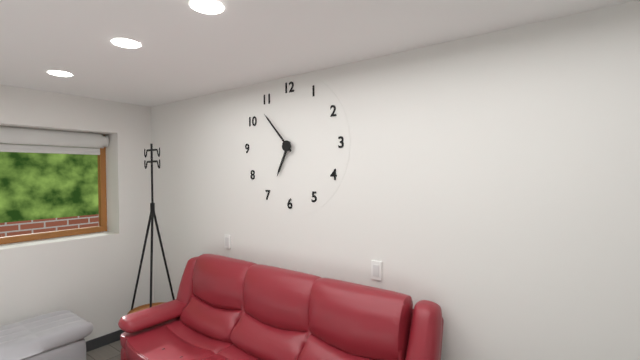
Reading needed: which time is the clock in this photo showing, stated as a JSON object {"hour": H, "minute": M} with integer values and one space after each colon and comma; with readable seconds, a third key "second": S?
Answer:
{"hour": 6, "minute": 53}
